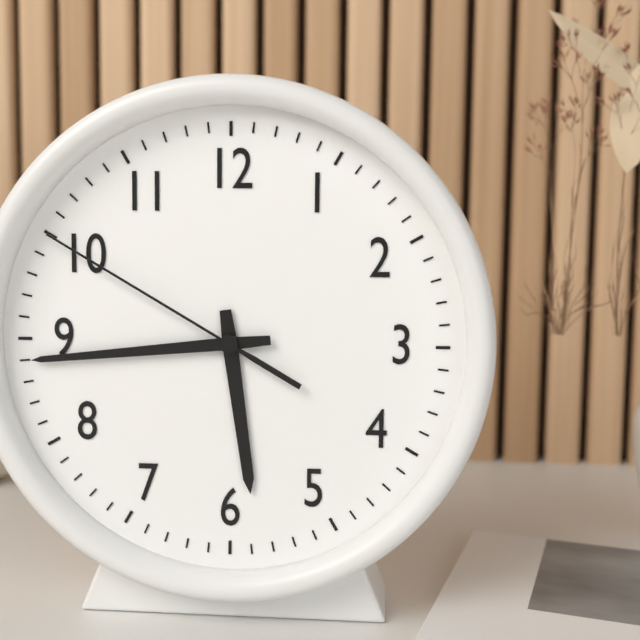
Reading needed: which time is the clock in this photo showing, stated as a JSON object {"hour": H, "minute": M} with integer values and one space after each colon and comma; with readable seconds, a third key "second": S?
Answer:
{"hour": 5, "minute": 44, "second": 50}
